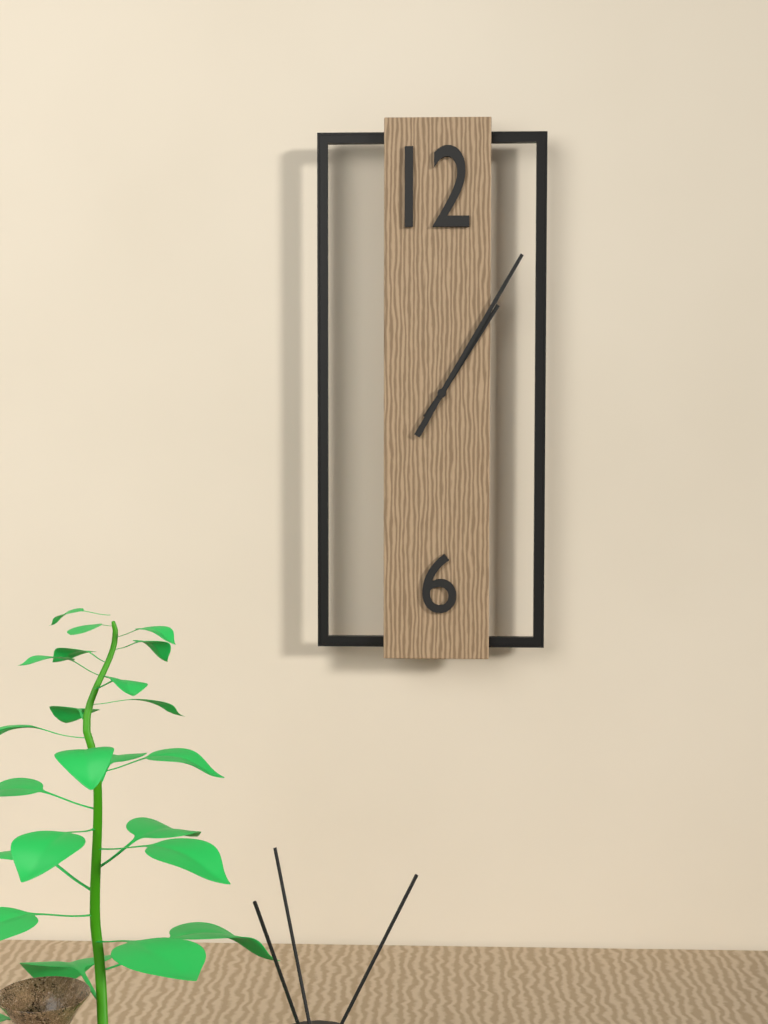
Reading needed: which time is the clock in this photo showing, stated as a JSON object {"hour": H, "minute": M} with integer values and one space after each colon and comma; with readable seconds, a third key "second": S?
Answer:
{"hour": 1, "minute": 5}
